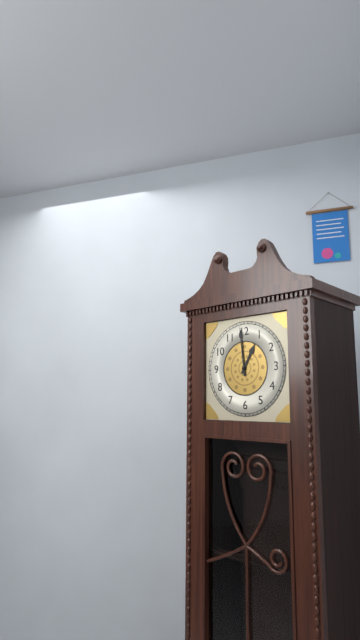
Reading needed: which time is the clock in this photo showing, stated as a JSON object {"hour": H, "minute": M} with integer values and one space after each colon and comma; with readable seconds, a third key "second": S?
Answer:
{"hour": 12, "minute": 59}
